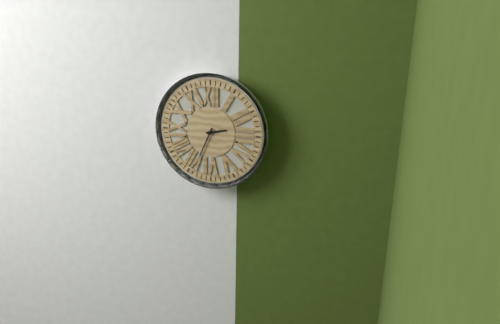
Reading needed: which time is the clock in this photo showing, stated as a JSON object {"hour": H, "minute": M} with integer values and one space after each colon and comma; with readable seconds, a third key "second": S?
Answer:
{"hour": 2, "minute": 34}
